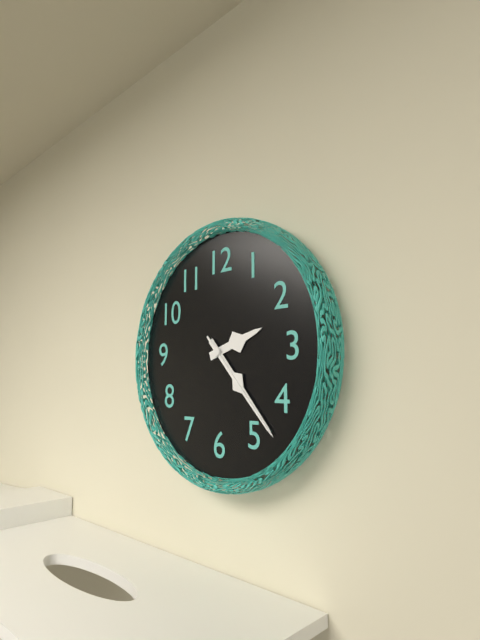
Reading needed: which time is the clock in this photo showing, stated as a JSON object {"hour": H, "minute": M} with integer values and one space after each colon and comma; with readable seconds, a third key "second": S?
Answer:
{"hour": 2, "minute": 23, "second": 23}
